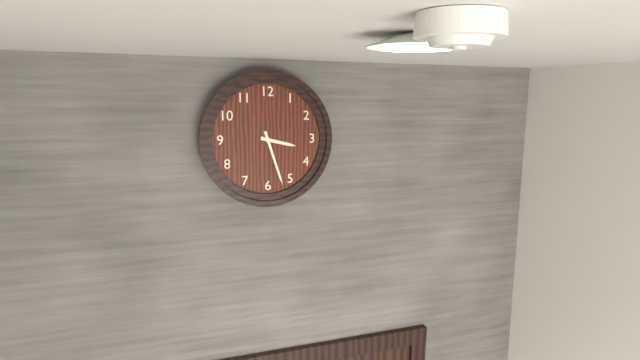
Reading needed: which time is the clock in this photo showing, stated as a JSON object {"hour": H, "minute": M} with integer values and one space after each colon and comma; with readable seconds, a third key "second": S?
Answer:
{"hour": 3, "minute": 27}
